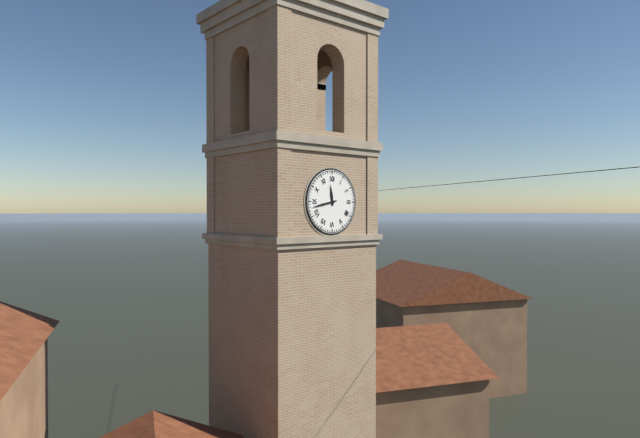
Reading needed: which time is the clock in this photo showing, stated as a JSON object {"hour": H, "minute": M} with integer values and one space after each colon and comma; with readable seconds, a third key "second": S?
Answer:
{"hour": 11, "minute": 43}
